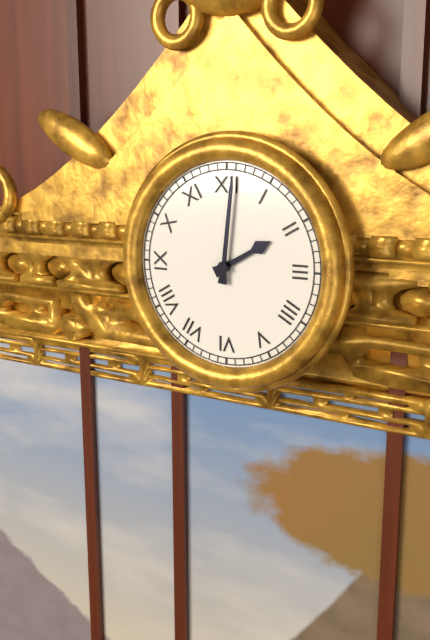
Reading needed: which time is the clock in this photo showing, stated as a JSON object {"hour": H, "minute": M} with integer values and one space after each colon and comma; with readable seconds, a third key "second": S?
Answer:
{"hour": 2, "minute": 1}
